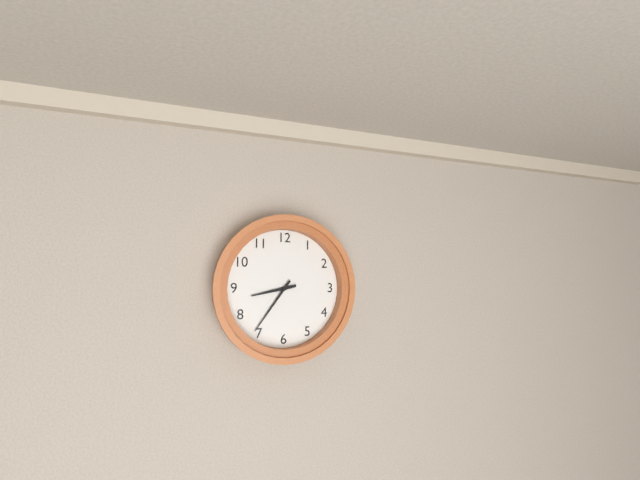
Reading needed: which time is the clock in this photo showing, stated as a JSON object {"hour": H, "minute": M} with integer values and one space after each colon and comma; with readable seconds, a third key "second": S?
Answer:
{"hour": 8, "minute": 36}
